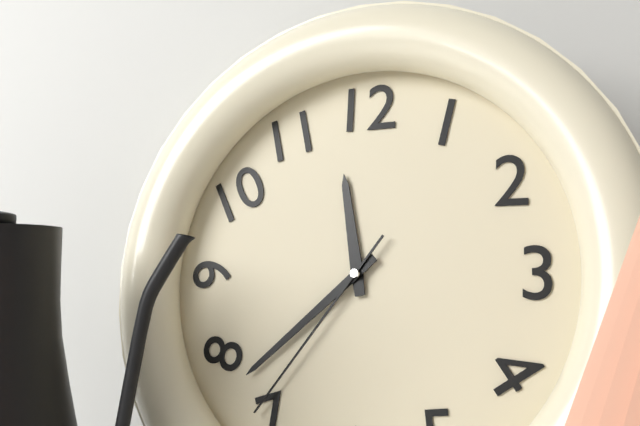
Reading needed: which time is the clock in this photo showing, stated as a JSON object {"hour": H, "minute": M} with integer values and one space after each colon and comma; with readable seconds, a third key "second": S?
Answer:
{"hour": 11, "minute": 38, "second": 36}
